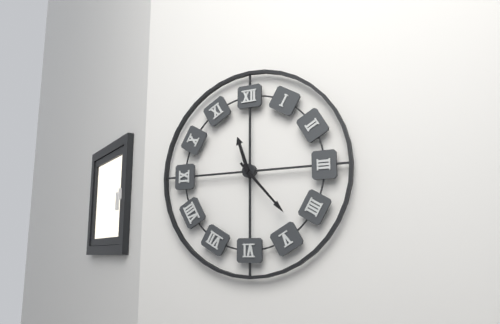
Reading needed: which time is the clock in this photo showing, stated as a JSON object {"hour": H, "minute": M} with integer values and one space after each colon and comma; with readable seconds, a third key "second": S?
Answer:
{"hour": 11, "minute": 23}
